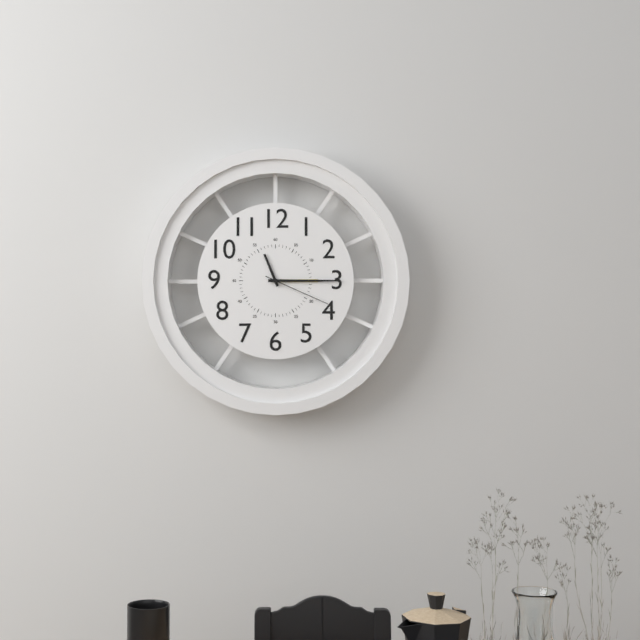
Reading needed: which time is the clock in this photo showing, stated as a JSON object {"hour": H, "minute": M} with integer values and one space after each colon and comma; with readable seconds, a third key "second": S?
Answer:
{"hour": 11, "minute": 15, "second": 19}
